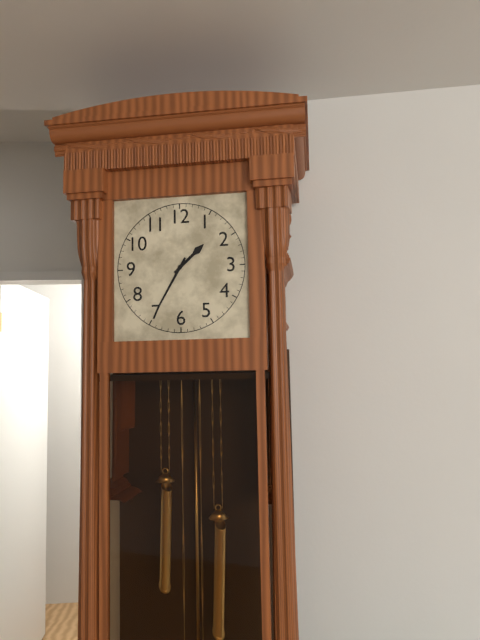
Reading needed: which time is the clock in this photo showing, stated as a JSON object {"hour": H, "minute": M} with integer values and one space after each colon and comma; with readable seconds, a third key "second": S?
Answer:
{"hour": 1, "minute": 35}
